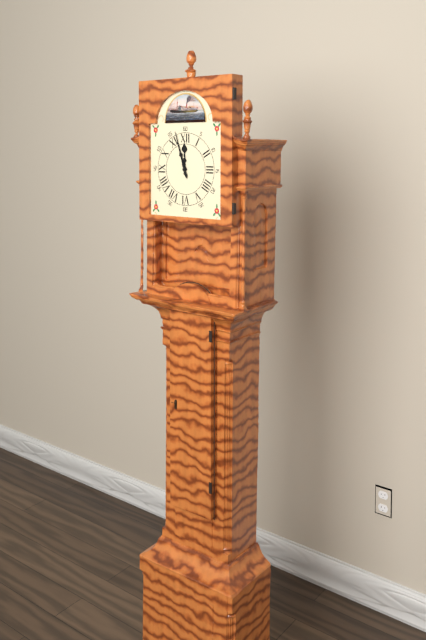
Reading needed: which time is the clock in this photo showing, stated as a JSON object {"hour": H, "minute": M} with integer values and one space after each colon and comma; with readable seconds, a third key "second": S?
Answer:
{"hour": 11, "minute": 57}
